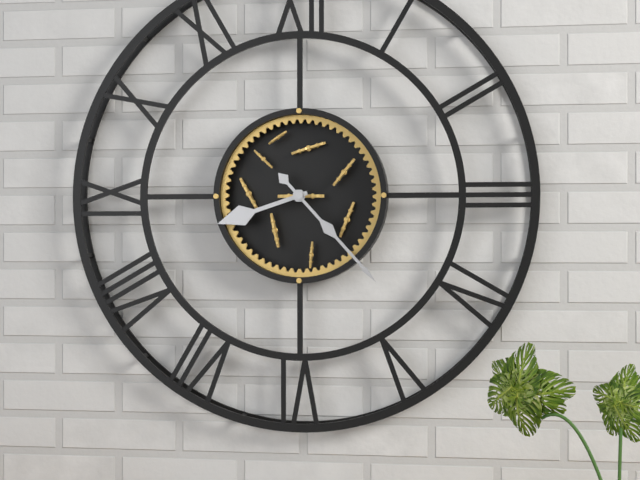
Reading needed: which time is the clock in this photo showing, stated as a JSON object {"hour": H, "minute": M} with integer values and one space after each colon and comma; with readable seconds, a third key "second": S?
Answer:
{"hour": 8, "minute": 23}
